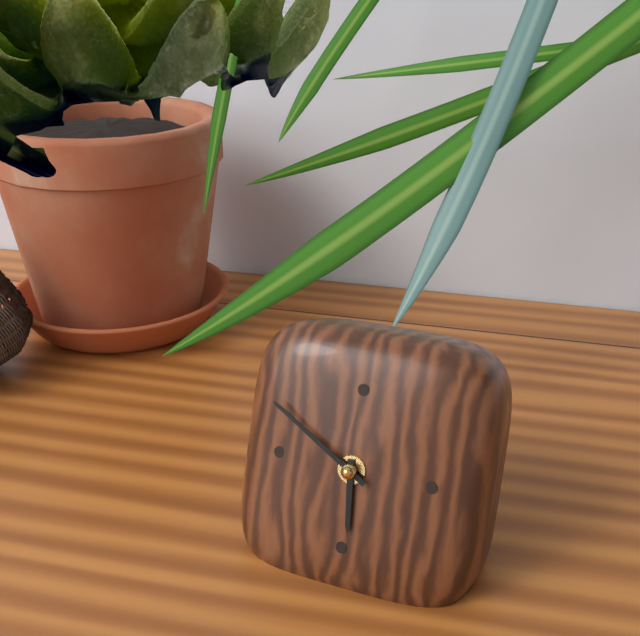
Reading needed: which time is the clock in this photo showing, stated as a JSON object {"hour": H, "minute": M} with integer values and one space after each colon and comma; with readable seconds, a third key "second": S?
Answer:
{"hour": 5, "minute": 50}
